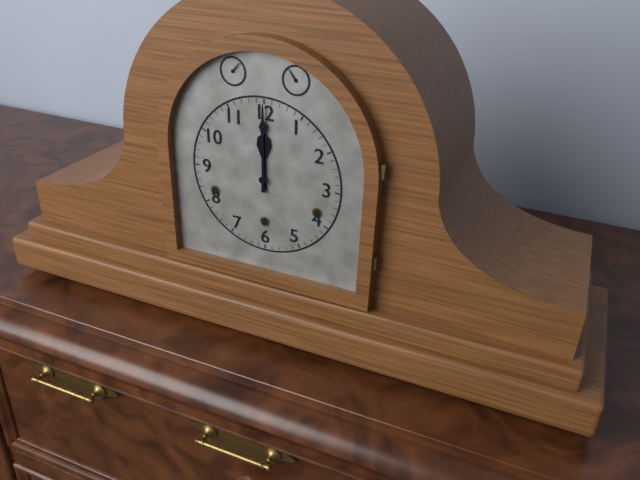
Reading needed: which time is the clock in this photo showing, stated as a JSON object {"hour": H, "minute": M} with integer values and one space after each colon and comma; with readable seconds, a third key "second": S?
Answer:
{"hour": 12, "minute": 0}
